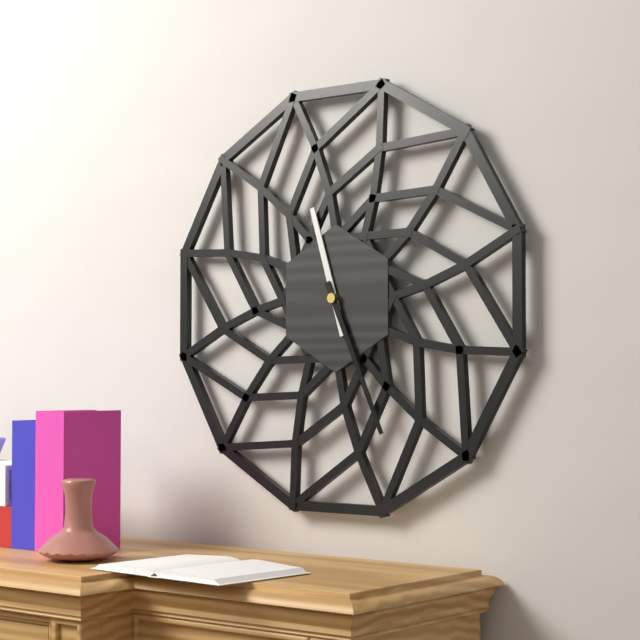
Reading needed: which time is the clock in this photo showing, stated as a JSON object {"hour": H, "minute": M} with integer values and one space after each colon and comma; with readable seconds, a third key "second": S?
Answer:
{"hour": 11, "minute": 26}
